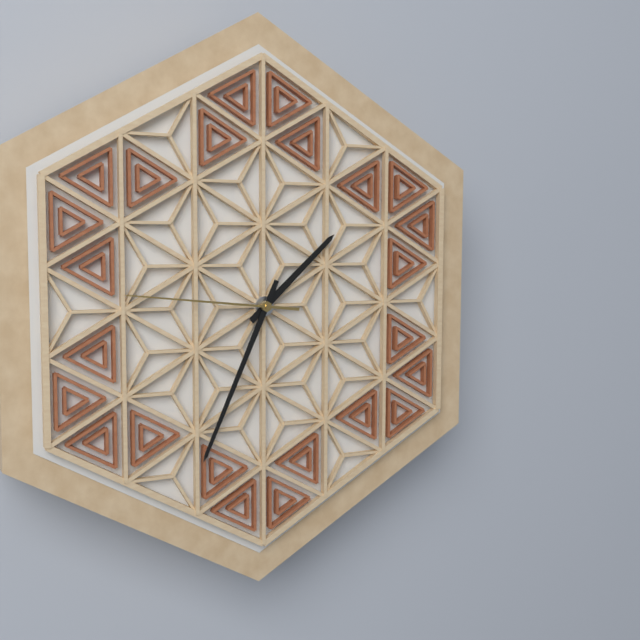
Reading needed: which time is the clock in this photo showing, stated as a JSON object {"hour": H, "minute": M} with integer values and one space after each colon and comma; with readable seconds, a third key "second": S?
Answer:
{"hour": 1, "minute": 34, "second": 46}
